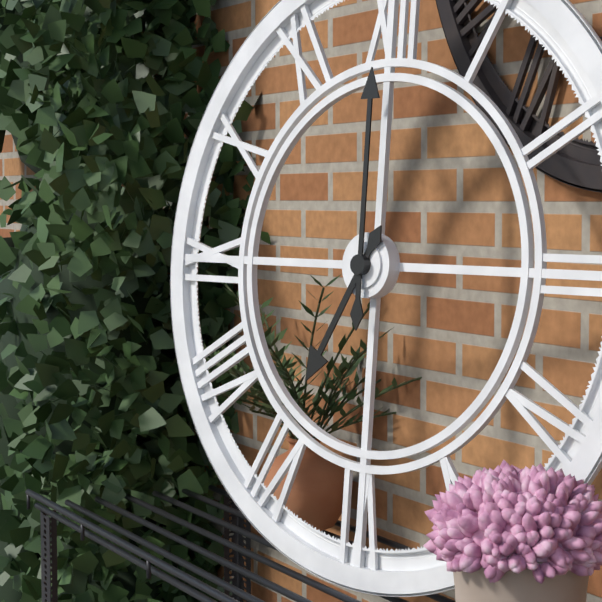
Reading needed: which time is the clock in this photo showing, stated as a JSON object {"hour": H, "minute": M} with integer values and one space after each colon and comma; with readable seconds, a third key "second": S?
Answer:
{"hour": 7, "minute": 0}
